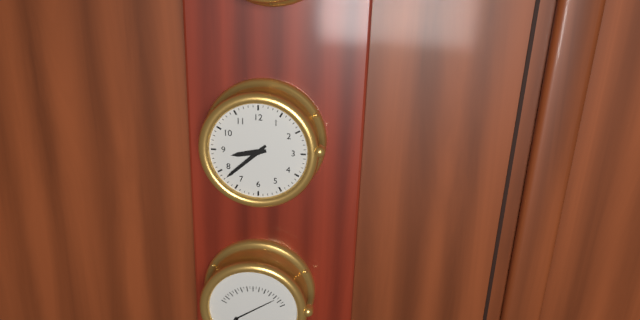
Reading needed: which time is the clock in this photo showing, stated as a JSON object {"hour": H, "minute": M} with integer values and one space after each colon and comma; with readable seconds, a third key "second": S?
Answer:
{"hour": 8, "minute": 38}
